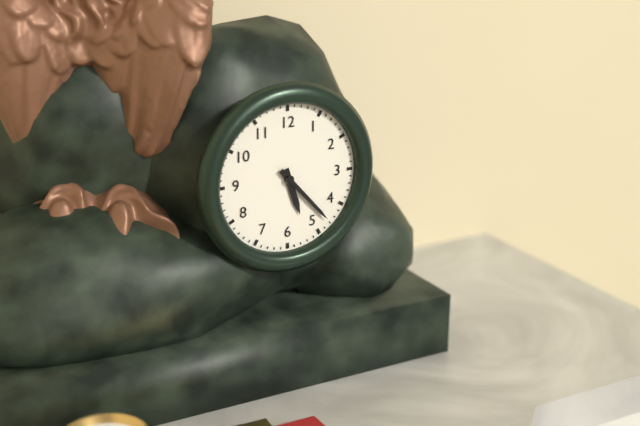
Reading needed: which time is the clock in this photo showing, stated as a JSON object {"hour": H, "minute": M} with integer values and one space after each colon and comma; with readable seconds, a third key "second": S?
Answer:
{"hour": 5, "minute": 23}
